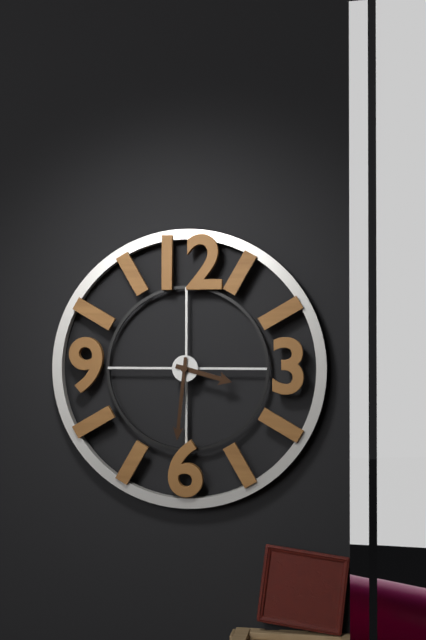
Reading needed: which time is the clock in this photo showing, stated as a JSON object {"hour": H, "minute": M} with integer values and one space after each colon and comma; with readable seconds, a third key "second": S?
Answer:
{"hour": 3, "minute": 31}
